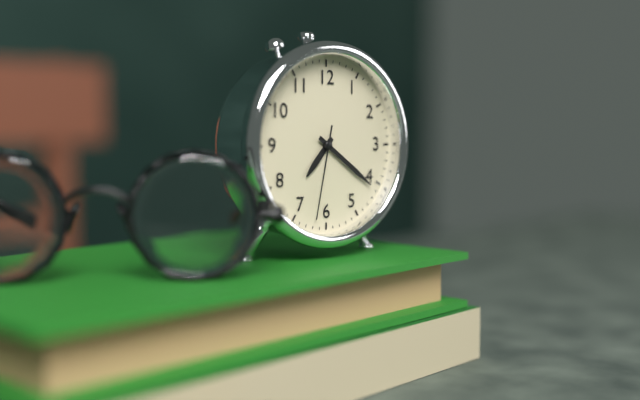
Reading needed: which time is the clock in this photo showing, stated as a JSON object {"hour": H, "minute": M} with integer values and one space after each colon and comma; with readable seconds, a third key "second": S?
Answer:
{"hour": 7, "minute": 21, "second": 32}
